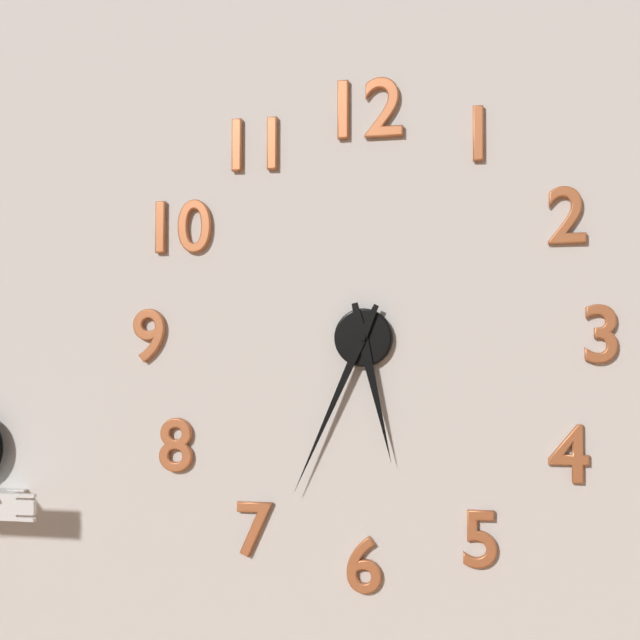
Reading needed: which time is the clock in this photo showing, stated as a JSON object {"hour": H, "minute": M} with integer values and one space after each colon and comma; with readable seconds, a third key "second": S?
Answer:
{"hour": 5, "minute": 34}
